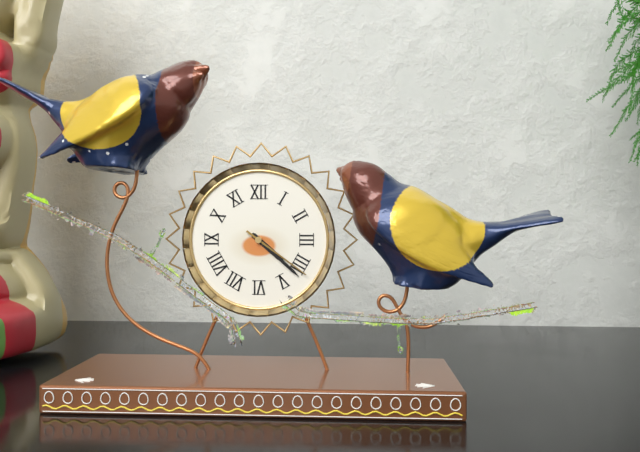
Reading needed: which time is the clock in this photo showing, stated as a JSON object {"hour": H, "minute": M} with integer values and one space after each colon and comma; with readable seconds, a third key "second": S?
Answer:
{"hour": 4, "minute": 22, "second": 21}
